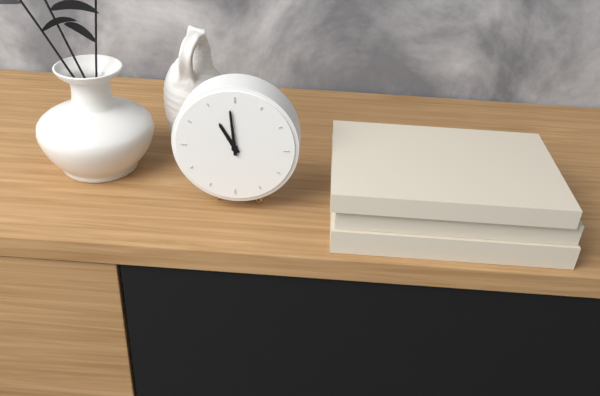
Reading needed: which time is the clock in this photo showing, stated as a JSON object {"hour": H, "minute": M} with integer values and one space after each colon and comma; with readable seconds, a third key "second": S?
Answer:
{"hour": 10, "minute": 59}
